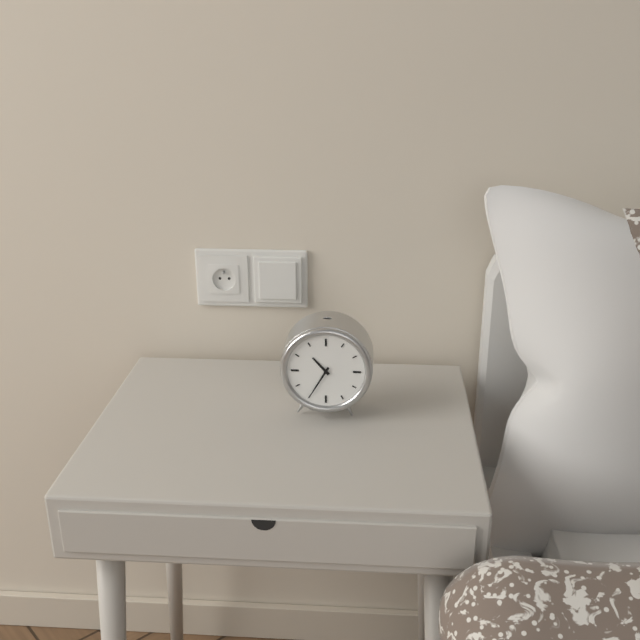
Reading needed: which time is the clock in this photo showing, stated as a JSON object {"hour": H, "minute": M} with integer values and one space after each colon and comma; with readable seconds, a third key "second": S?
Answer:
{"hour": 10, "minute": 35}
